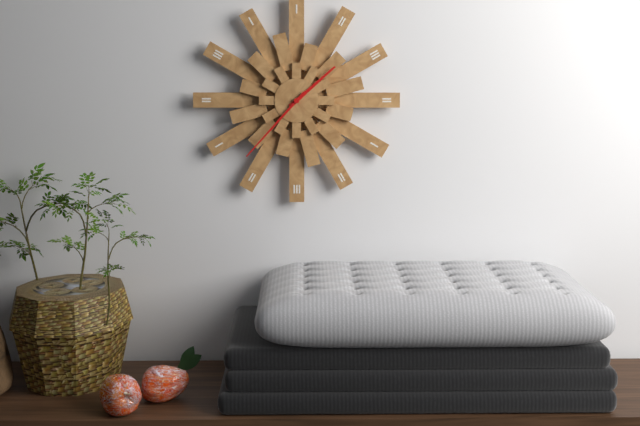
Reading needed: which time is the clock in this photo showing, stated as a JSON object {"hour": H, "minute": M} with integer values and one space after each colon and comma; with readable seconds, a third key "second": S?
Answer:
{"hour": 1, "minute": 37}
